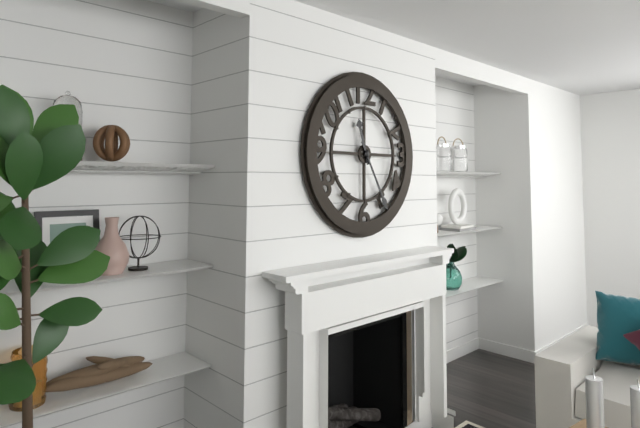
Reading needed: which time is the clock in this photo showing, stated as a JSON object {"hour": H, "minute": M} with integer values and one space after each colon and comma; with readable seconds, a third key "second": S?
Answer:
{"hour": 11, "minute": 25}
